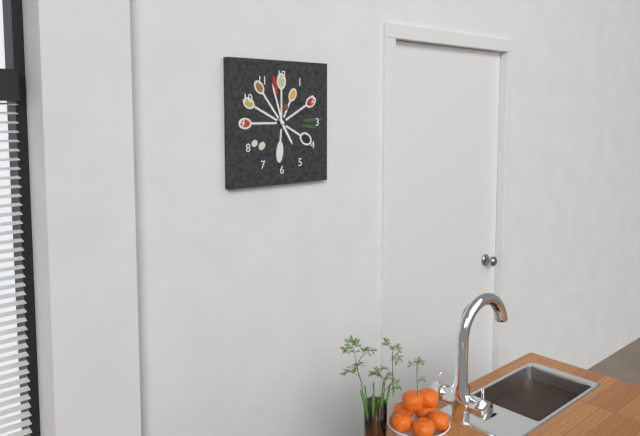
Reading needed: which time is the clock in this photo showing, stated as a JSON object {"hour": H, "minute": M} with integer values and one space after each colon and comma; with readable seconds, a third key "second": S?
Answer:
{"hour": 4, "minute": 57}
